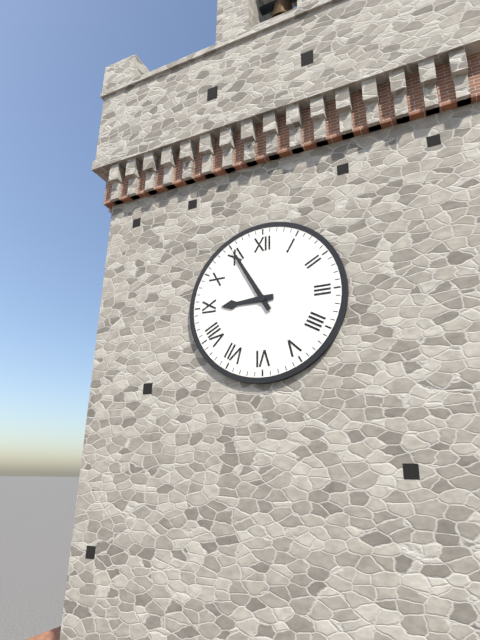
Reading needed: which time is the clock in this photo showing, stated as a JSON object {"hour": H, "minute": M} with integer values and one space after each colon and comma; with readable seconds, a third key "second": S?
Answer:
{"hour": 8, "minute": 55}
